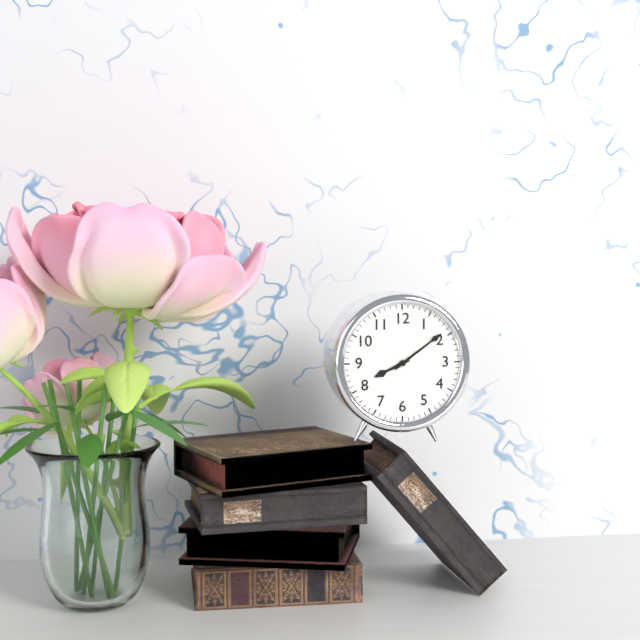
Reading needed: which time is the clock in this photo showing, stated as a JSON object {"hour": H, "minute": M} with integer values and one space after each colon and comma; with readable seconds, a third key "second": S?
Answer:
{"hour": 8, "minute": 9}
